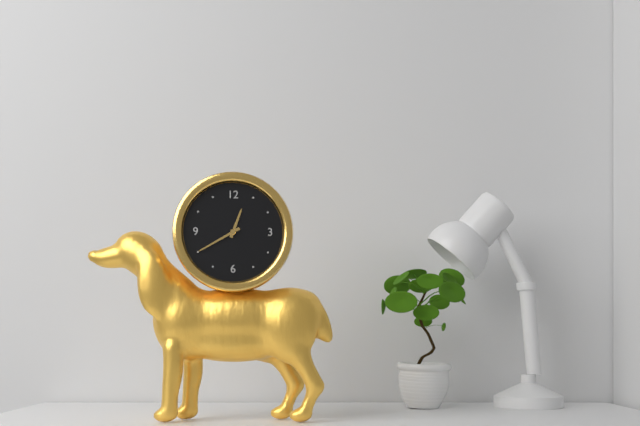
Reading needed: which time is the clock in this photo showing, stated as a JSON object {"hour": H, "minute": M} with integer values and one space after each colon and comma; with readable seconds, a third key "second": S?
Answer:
{"hour": 12, "minute": 40}
